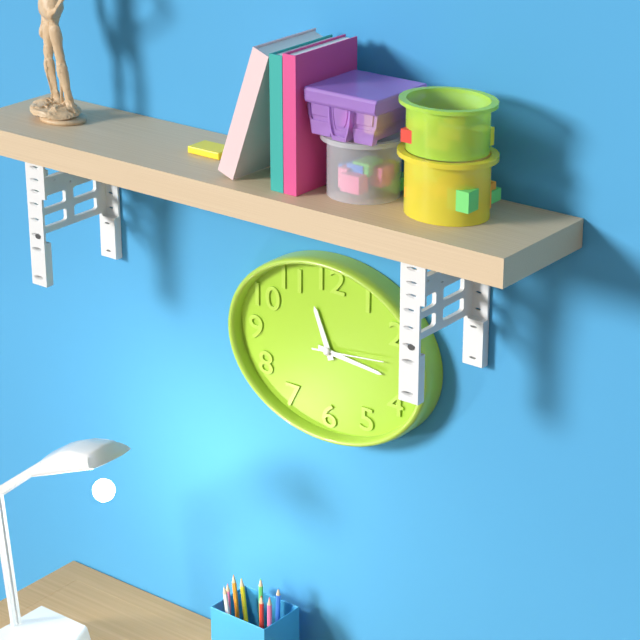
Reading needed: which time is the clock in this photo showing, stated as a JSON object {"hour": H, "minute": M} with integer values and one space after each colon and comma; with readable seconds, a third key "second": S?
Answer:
{"hour": 11, "minute": 16, "second": 14}
